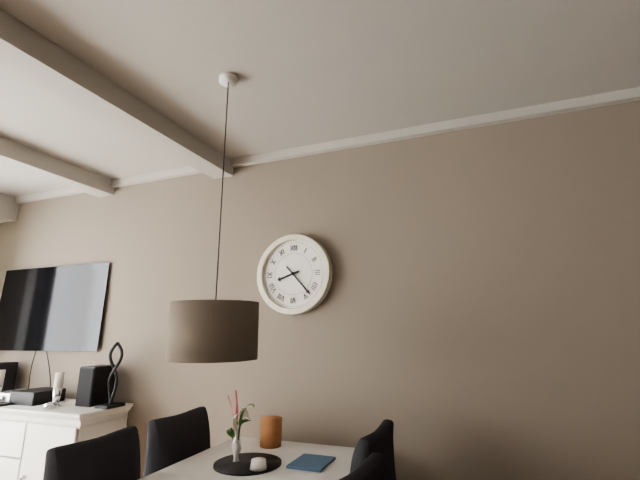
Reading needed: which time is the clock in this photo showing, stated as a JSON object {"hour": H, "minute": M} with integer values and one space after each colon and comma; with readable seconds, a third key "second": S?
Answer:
{"hour": 8, "minute": 23}
